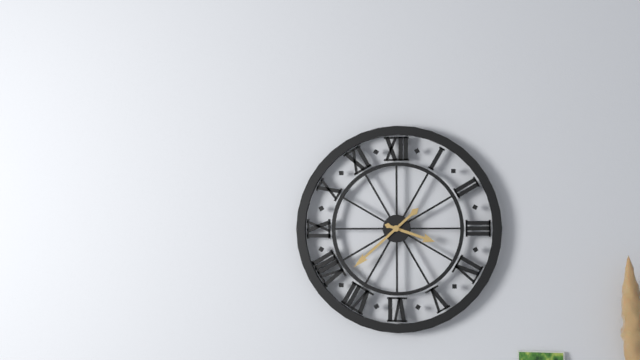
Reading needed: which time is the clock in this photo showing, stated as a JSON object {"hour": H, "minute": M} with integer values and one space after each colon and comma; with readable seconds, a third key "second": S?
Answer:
{"hour": 3, "minute": 38}
